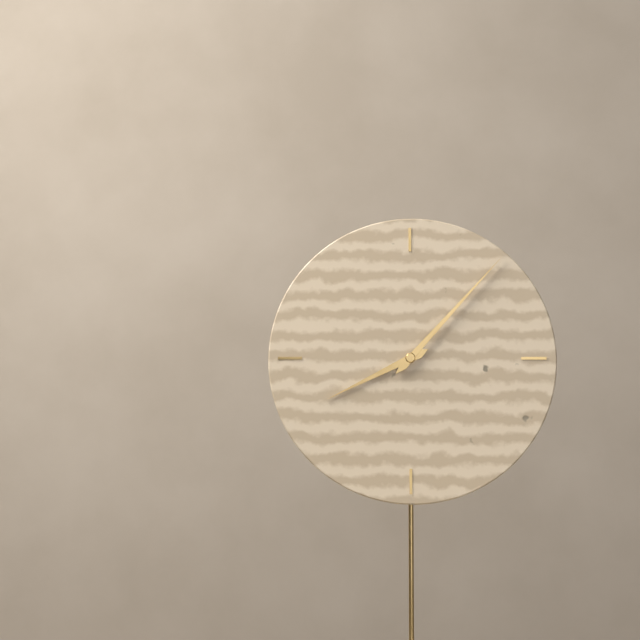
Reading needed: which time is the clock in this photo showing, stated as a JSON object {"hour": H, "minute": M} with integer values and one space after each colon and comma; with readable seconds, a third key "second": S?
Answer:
{"hour": 8, "minute": 7}
